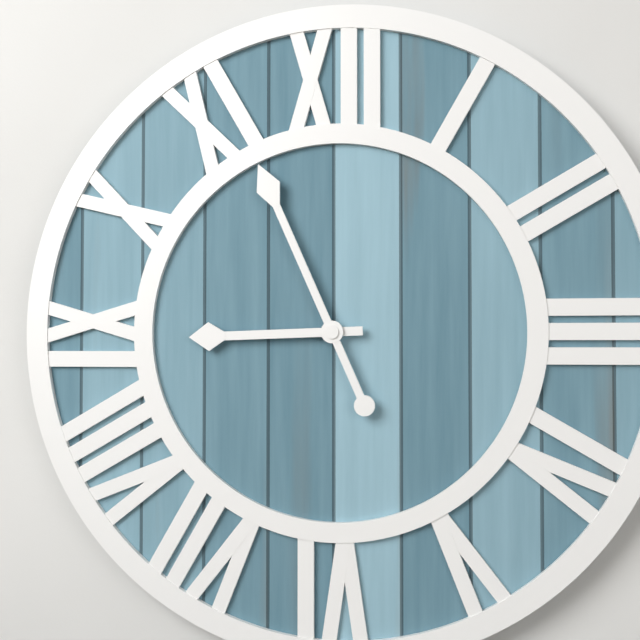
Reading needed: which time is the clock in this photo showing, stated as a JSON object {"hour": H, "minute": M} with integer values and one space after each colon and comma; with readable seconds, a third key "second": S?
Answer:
{"hour": 8, "minute": 56}
